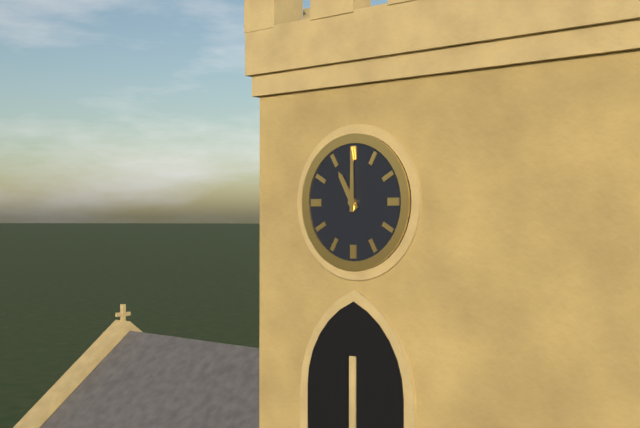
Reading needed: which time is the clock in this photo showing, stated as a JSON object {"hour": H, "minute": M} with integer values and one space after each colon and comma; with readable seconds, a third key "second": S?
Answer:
{"hour": 11, "minute": 0}
